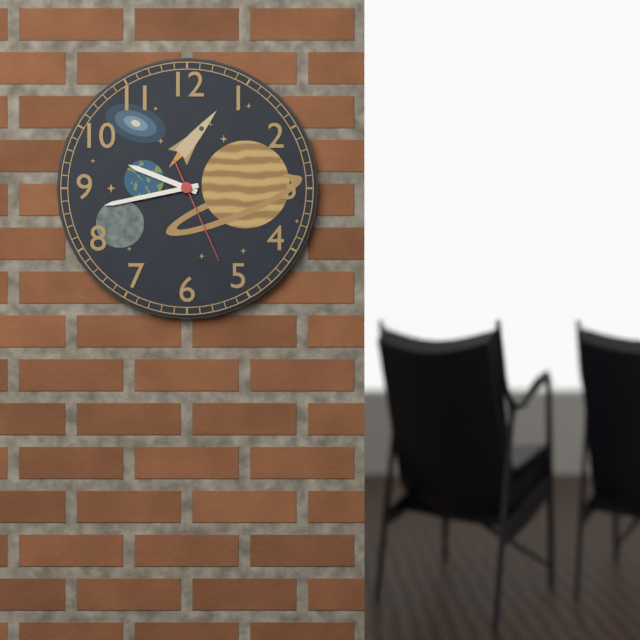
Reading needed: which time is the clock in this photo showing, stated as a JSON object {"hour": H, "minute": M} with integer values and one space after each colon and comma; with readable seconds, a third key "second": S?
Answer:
{"hour": 9, "minute": 43, "second": 26}
